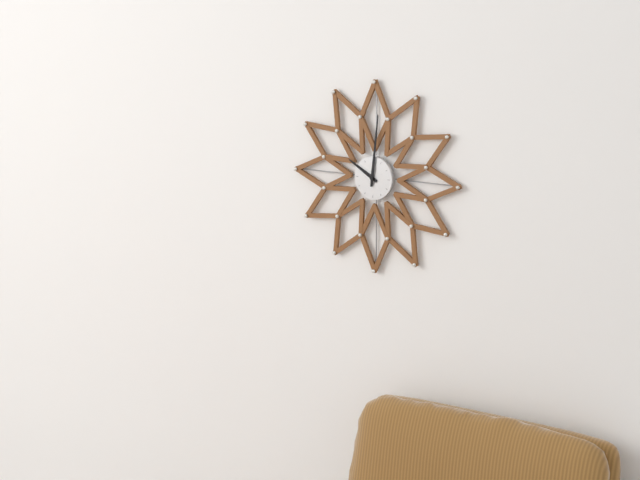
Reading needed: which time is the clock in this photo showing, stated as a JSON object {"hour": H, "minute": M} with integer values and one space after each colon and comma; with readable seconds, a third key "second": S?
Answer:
{"hour": 10, "minute": 1}
